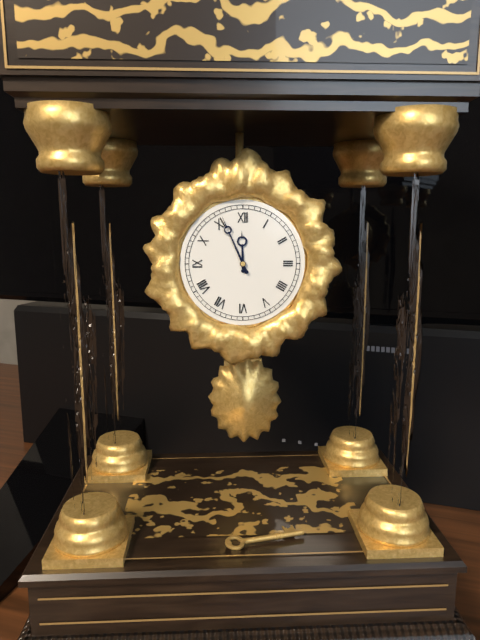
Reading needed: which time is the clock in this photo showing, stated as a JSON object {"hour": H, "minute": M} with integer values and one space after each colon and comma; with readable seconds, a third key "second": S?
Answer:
{"hour": 11, "minute": 56}
